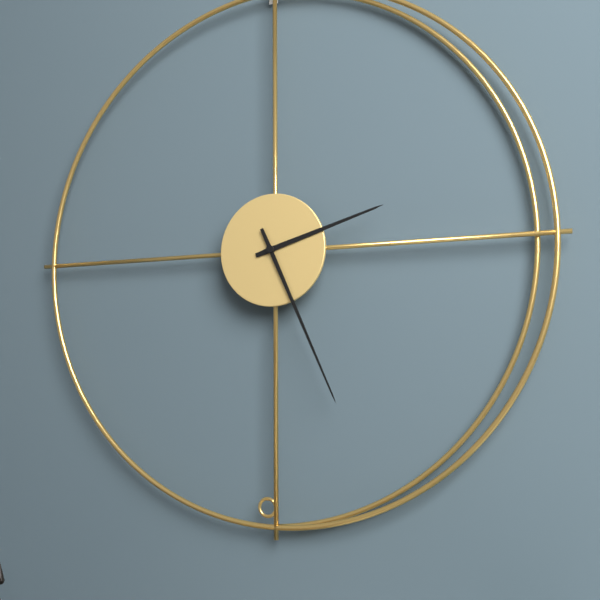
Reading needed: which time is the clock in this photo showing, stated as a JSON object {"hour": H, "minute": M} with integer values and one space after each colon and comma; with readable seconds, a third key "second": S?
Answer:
{"hour": 2, "minute": 26}
